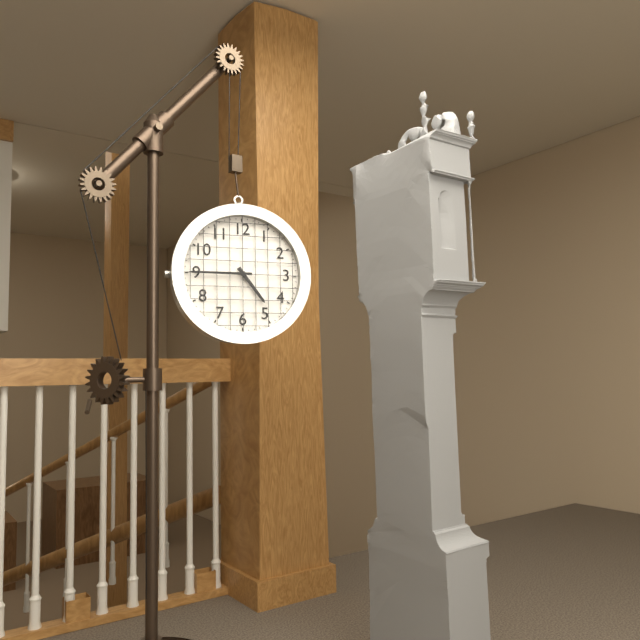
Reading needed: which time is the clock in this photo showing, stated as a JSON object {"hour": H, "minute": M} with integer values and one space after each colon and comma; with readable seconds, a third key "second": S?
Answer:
{"hour": 4, "minute": 45}
